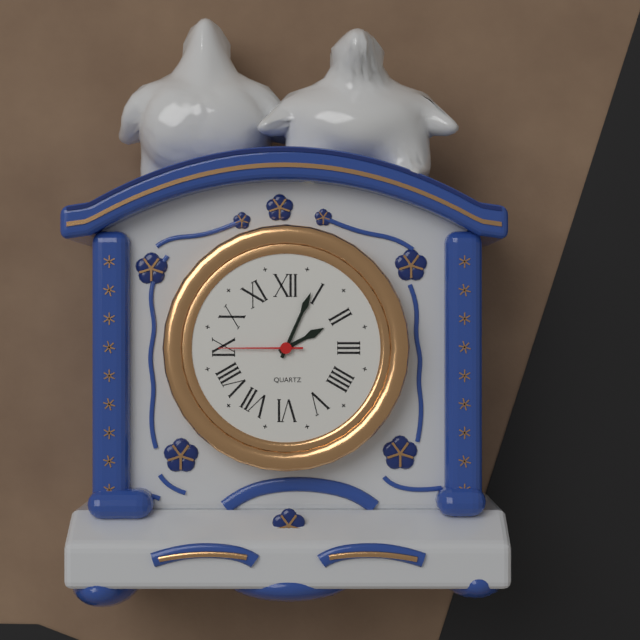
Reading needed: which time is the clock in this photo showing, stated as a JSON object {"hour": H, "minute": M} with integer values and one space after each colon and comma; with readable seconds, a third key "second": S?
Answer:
{"hour": 2, "minute": 4, "second": 45}
